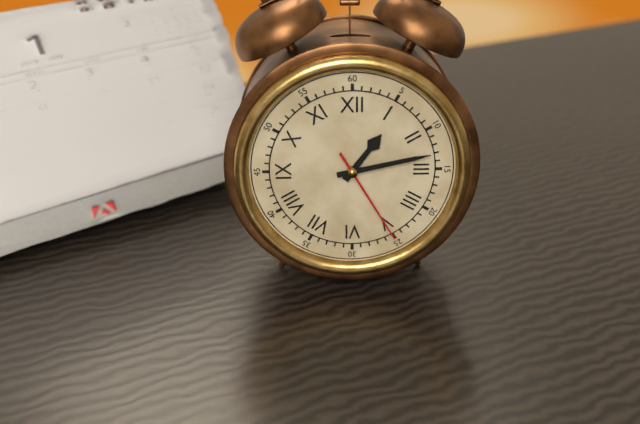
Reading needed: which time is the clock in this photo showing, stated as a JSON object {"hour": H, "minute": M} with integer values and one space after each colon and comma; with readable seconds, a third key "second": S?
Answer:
{"hour": 1, "minute": 13, "second": 25}
